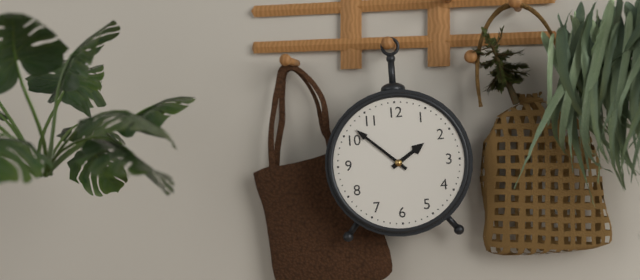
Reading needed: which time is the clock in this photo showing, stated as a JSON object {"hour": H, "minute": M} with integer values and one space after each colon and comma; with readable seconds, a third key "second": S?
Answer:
{"hour": 1, "minute": 52}
